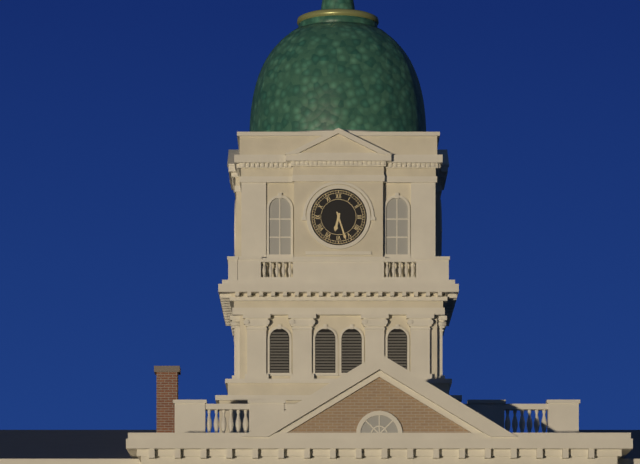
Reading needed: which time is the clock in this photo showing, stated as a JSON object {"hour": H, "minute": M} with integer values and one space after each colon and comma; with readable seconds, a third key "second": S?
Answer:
{"hour": 6, "minute": 27}
